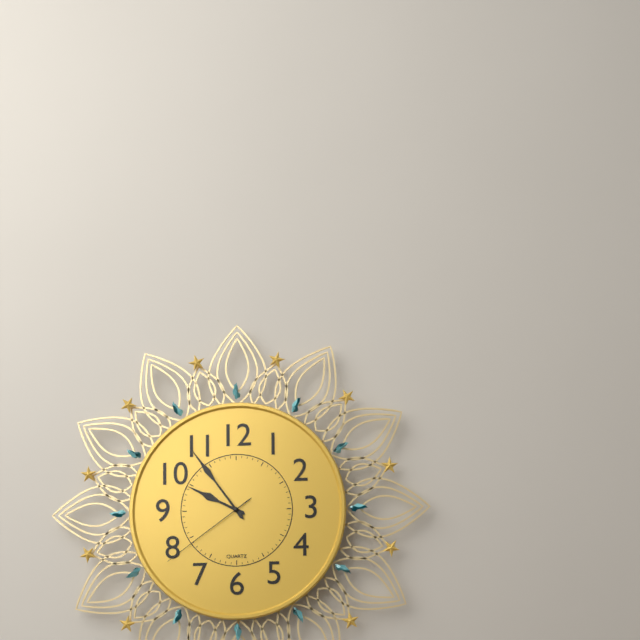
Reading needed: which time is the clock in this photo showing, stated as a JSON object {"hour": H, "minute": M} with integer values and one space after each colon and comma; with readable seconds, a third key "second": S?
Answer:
{"hour": 9, "minute": 54, "second": 39}
